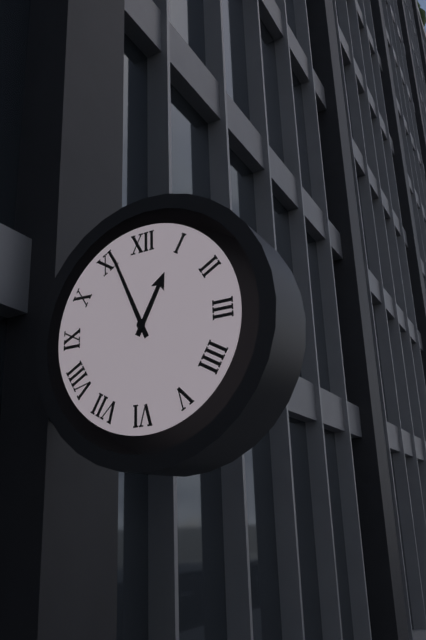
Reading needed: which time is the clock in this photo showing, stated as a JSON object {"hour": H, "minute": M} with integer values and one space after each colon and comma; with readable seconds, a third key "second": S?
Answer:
{"hour": 12, "minute": 56}
